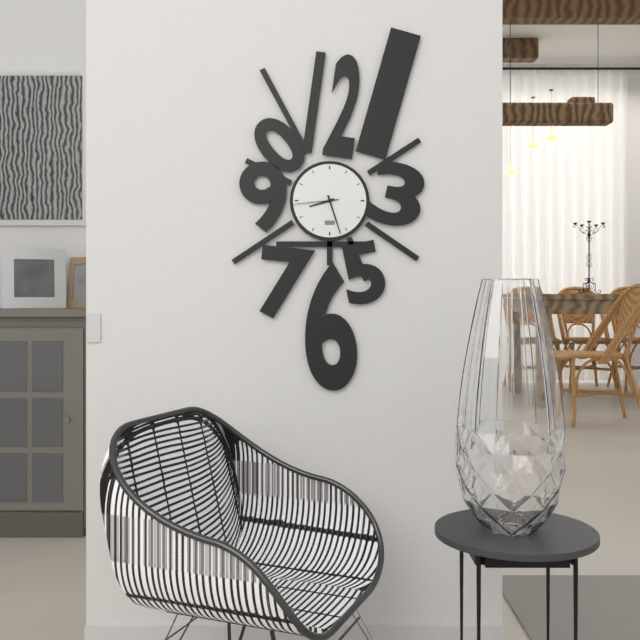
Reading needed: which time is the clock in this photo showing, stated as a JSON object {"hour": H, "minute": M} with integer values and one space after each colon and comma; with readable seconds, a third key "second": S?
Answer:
{"hour": 8, "minute": 27}
